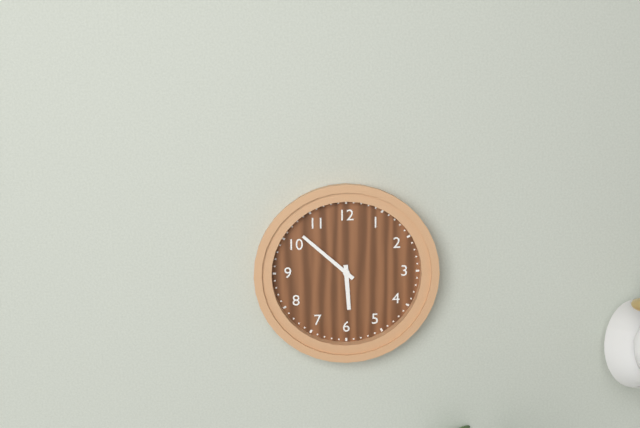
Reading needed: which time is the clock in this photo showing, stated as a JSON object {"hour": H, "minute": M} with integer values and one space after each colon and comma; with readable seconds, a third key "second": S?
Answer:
{"hour": 5, "minute": 52}
